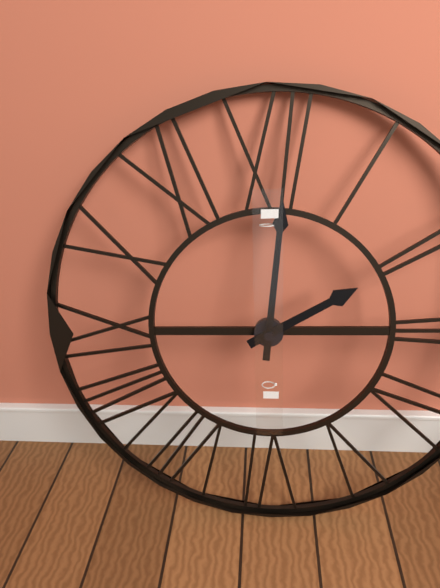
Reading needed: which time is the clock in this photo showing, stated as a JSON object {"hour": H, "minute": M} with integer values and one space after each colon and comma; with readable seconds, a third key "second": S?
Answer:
{"hour": 2, "minute": 1}
